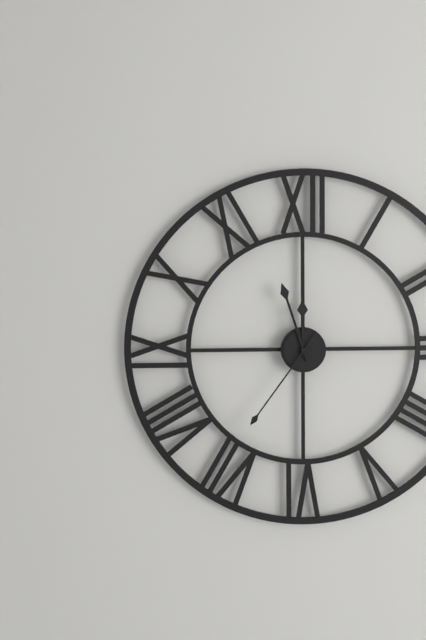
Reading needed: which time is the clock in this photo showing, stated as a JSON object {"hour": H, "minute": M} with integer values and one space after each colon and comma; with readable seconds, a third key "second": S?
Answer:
{"hour": 11, "minute": 57, "second": 36}
